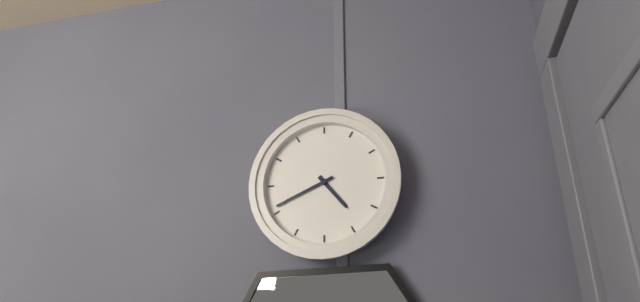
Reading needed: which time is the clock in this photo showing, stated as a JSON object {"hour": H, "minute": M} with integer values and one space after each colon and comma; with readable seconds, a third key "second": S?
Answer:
{"hour": 4, "minute": 41}
